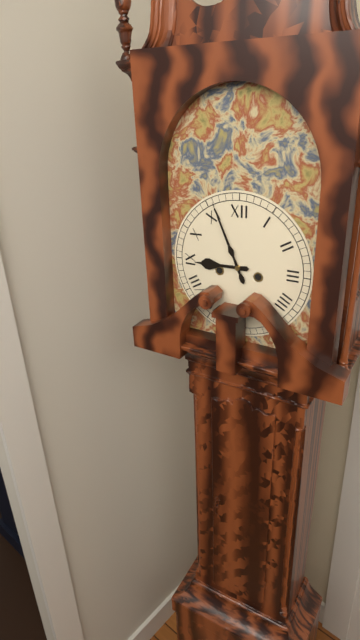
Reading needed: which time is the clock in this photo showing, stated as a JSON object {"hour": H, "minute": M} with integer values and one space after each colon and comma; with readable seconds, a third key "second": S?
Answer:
{"hour": 8, "minute": 56}
